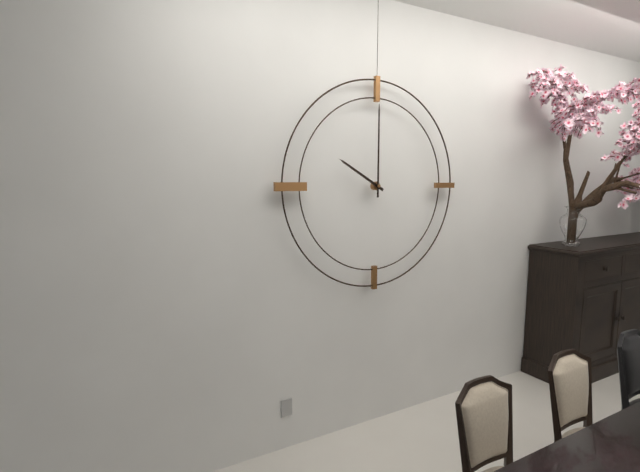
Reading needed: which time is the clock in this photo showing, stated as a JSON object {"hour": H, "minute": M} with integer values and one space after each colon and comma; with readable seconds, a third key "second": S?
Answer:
{"hour": 10, "minute": 0}
